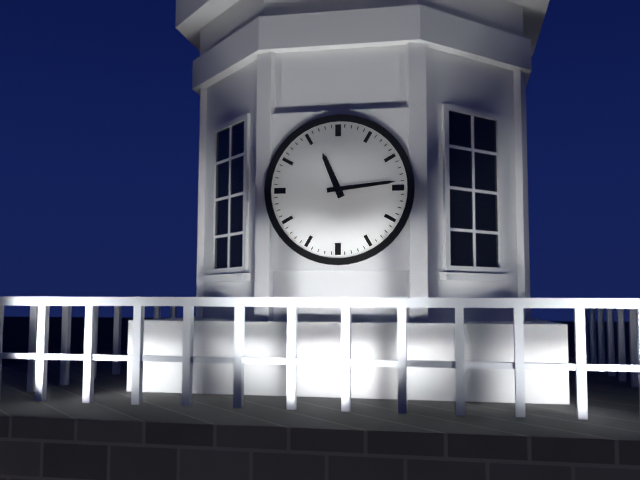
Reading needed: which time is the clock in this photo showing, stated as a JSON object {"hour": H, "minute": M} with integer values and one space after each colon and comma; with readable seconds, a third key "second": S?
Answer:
{"hour": 11, "minute": 14}
